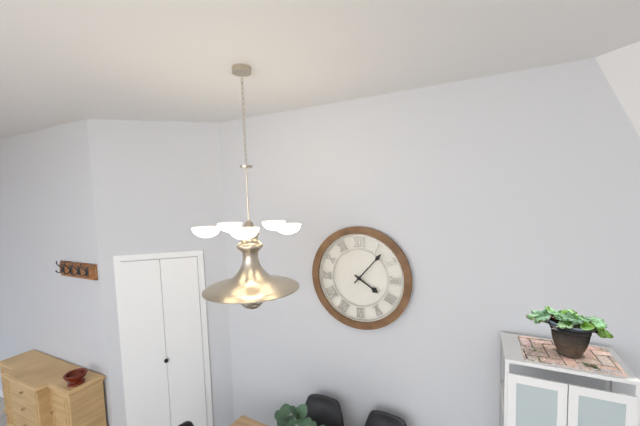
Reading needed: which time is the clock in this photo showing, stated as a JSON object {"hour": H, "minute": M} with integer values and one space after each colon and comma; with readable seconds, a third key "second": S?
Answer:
{"hour": 4, "minute": 7}
